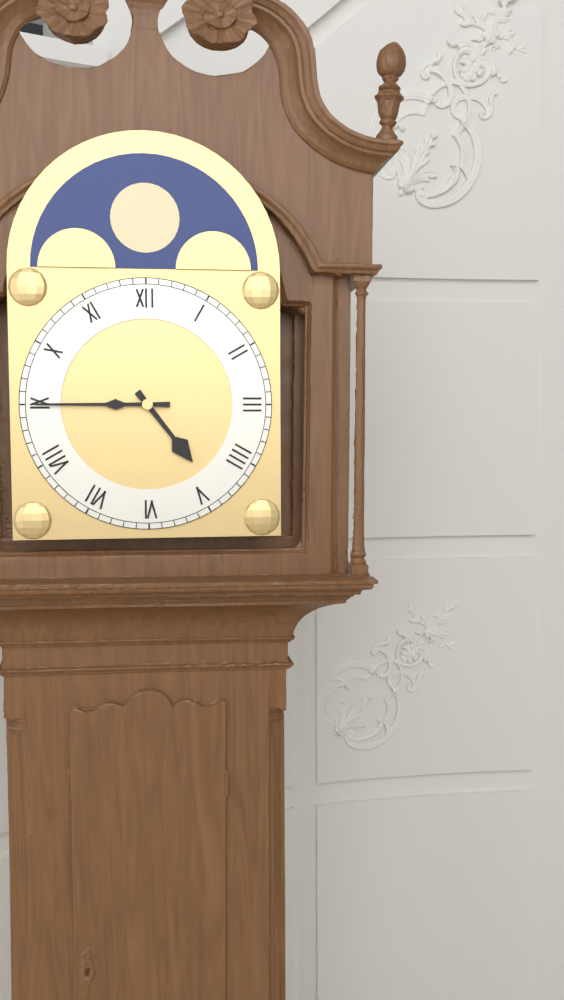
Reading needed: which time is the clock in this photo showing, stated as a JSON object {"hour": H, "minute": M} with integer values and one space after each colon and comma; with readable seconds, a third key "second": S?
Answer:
{"hour": 4, "minute": 45}
